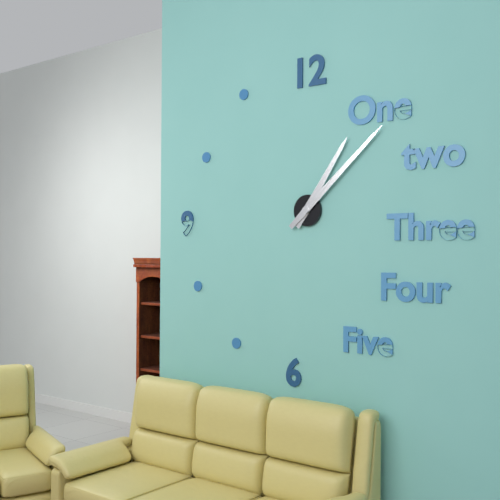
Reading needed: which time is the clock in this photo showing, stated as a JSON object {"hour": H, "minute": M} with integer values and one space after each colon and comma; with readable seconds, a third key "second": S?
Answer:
{"hour": 1, "minute": 8}
